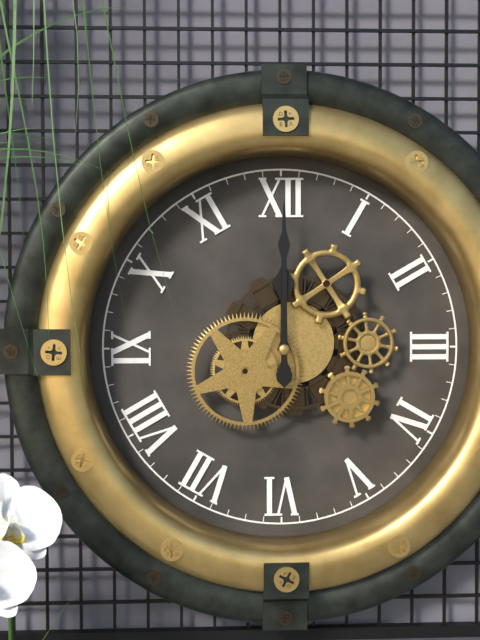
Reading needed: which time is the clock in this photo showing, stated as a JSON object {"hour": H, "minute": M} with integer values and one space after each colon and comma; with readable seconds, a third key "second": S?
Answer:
{"hour": 12, "minute": 0}
